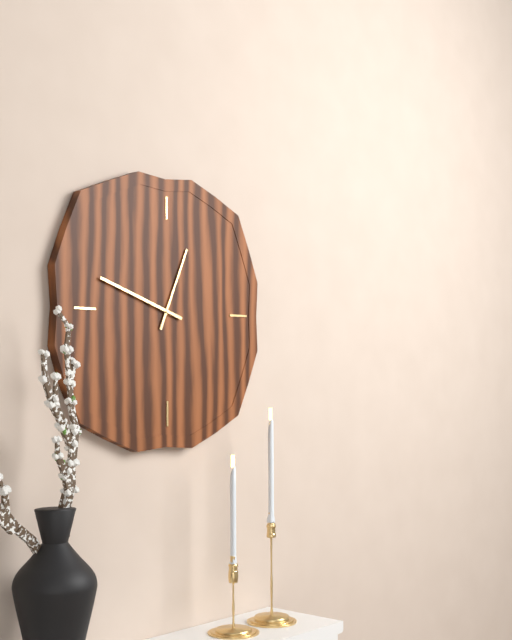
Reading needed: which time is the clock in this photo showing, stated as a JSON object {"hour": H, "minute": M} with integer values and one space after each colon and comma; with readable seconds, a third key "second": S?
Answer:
{"hour": 12, "minute": 48}
